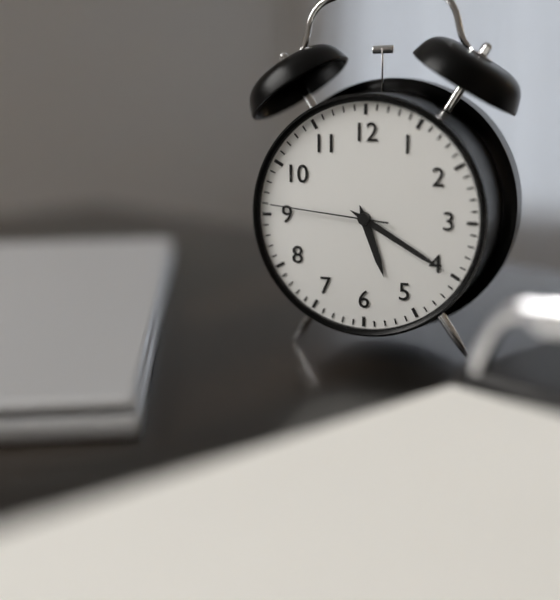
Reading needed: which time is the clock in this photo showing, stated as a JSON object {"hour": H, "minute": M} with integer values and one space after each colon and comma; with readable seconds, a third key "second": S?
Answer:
{"hour": 5, "minute": 20, "second": 46}
